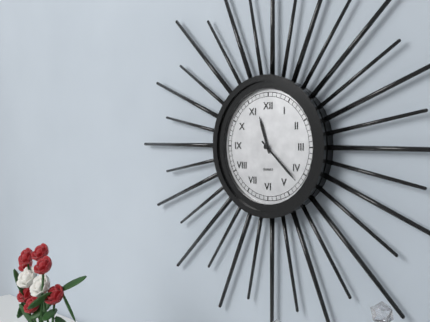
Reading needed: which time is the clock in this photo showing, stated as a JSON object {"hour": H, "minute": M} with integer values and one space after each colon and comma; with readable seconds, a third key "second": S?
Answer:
{"hour": 11, "minute": 22}
